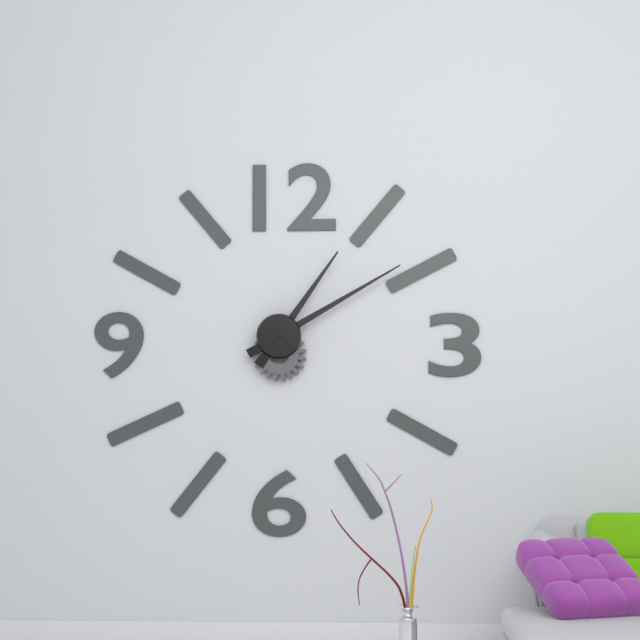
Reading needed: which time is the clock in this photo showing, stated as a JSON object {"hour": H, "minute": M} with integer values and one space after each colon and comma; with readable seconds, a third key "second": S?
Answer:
{"hour": 1, "minute": 10}
